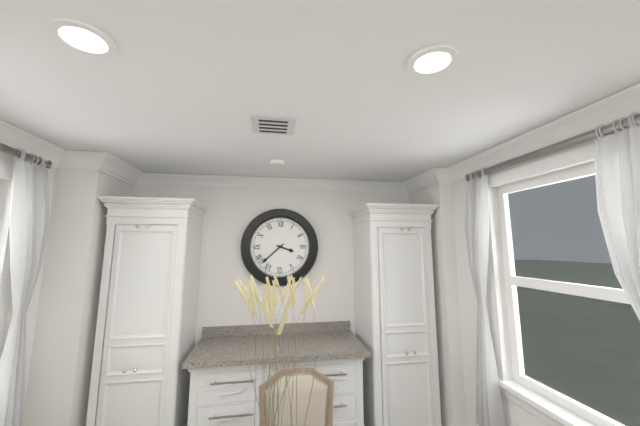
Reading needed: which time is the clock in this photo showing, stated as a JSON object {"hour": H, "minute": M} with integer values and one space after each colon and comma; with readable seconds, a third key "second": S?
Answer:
{"hour": 3, "minute": 38}
